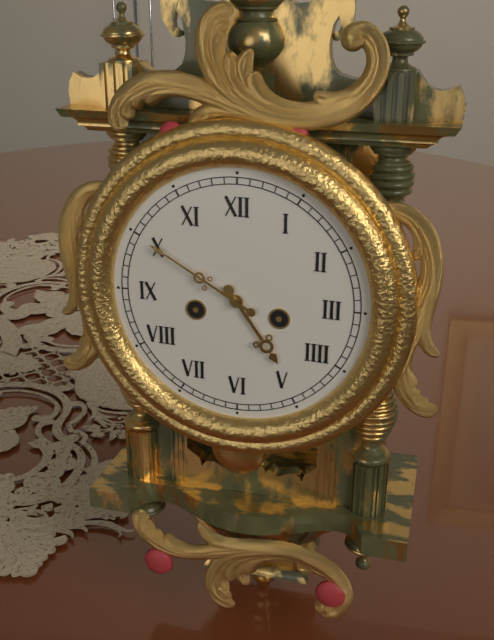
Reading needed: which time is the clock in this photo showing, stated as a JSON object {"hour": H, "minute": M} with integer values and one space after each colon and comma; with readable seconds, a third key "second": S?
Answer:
{"hour": 4, "minute": 50}
